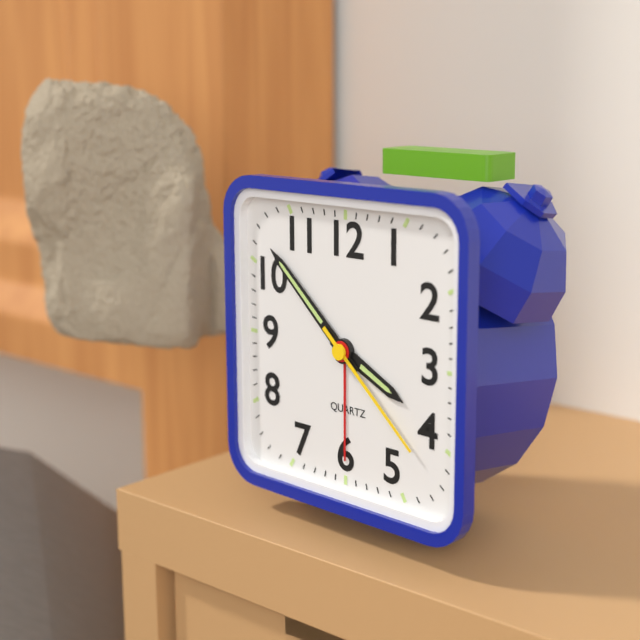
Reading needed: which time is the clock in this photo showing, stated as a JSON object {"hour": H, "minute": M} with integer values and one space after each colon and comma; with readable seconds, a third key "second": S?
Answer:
{"hour": 3, "minute": 52, "second": 22}
